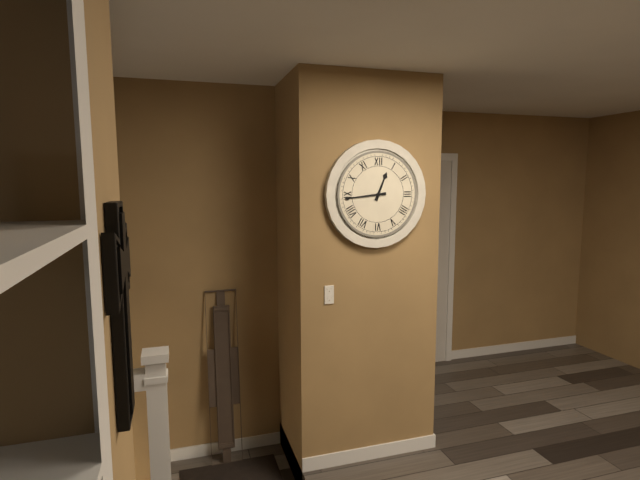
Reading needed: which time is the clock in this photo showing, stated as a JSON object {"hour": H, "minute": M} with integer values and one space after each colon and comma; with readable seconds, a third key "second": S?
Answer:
{"hour": 12, "minute": 44}
